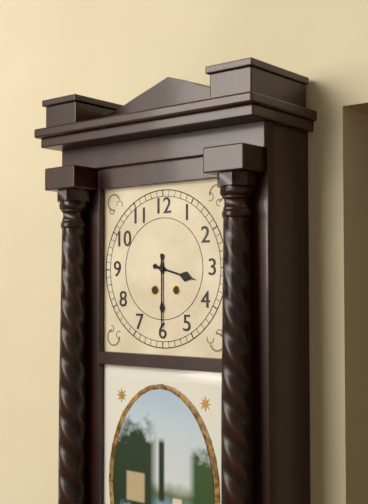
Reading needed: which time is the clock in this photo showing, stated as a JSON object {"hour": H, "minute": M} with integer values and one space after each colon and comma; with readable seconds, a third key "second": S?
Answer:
{"hour": 3, "minute": 30}
